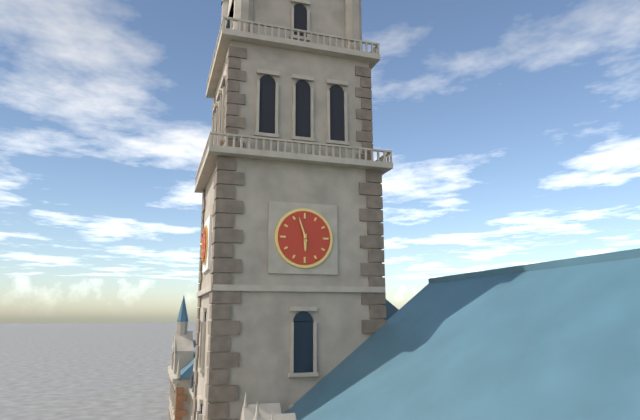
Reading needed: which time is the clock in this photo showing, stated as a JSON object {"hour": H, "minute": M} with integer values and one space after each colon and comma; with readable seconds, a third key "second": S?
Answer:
{"hour": 5, "minute": 57}
